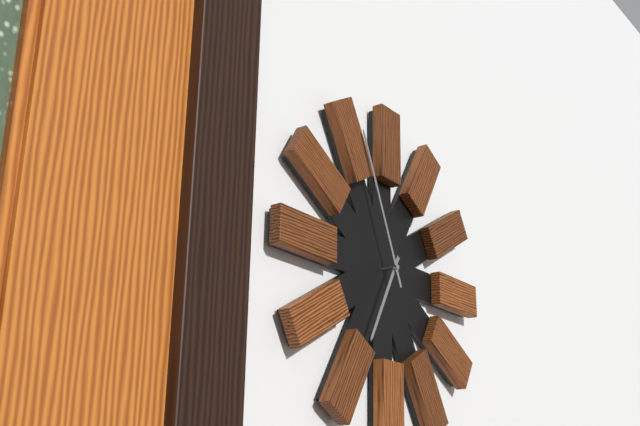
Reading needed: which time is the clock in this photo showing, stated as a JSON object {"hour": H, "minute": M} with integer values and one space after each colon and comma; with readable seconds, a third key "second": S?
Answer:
{"hour": 6, "minute": 56}
